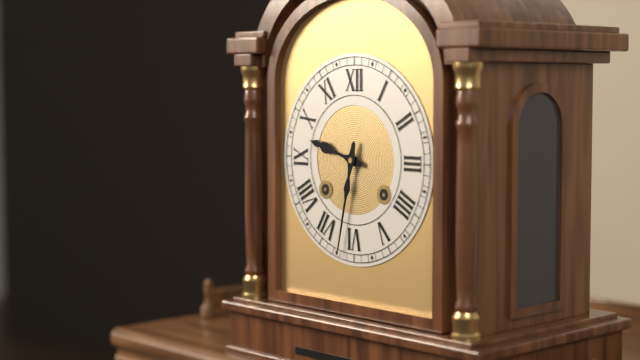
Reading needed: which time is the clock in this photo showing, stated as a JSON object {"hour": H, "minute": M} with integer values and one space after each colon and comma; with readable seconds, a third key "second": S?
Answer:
{"hour": 9, "minute": 32}
